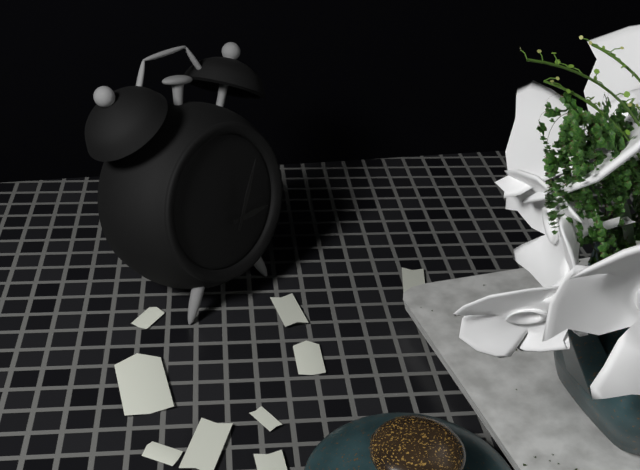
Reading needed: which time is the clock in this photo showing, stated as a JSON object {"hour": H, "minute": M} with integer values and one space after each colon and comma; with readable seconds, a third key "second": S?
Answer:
{"hour": 3, "minute": 3}
